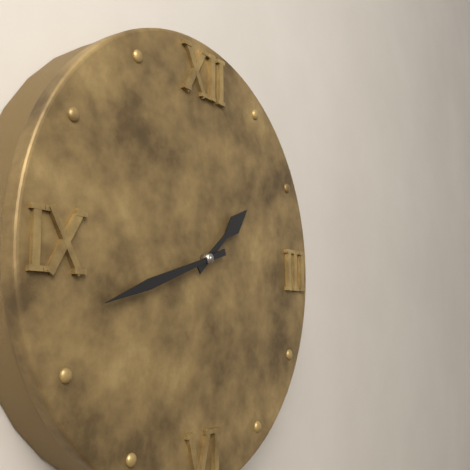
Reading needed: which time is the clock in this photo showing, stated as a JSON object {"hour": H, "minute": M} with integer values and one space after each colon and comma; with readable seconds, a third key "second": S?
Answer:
{"hour": 1, "minute": 42}
